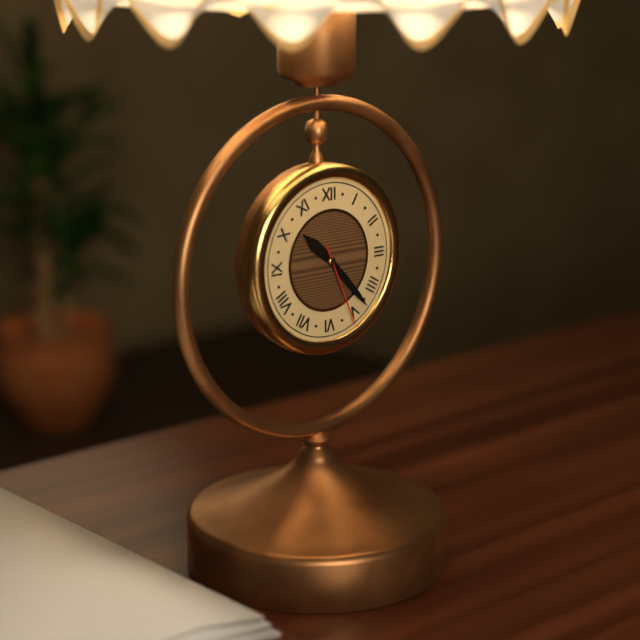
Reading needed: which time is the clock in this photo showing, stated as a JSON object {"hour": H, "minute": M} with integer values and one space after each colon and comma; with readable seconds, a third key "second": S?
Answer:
{"hour": 10, "minute": 23, "second": 26}
